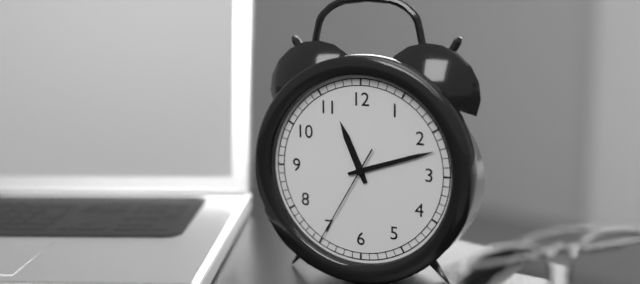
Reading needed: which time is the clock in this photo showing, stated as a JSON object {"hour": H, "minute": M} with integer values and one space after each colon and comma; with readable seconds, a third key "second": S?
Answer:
{"hour": 11, "minute": 12, "second": 35}
